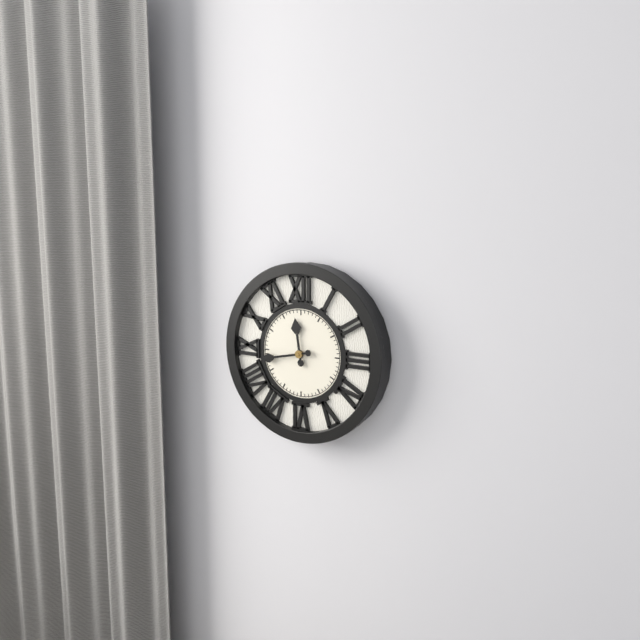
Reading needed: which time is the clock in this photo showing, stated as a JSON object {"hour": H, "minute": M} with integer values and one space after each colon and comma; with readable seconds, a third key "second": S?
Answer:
{"hour": 11, "minute": 43}
